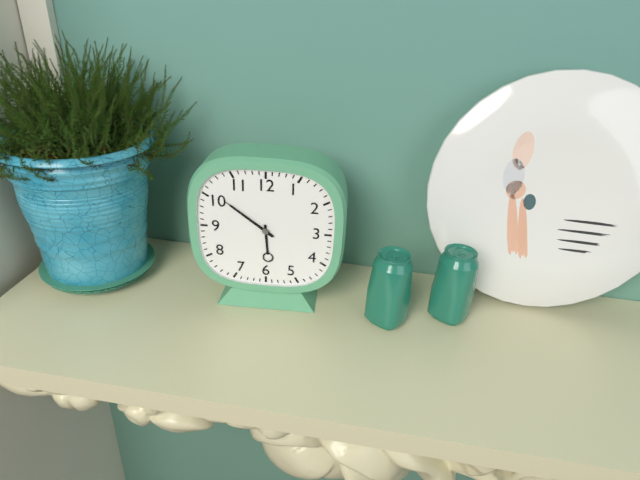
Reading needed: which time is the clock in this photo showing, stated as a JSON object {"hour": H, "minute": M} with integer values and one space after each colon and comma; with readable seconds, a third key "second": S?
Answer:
{"hour": 5, "minute": 51}
